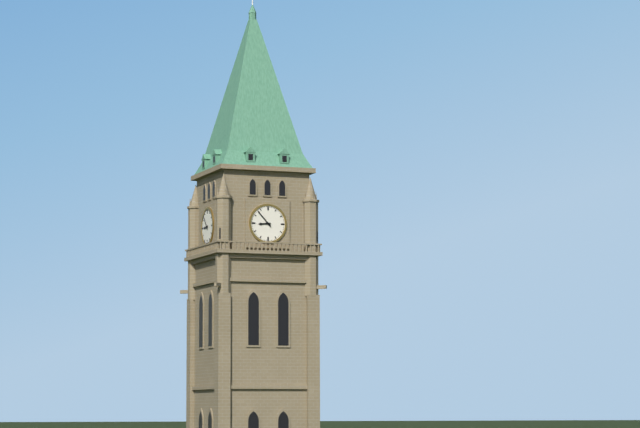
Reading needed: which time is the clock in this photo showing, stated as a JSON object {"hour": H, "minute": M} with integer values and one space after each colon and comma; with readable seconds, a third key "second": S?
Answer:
{"hour": 8, "minute": 53}
